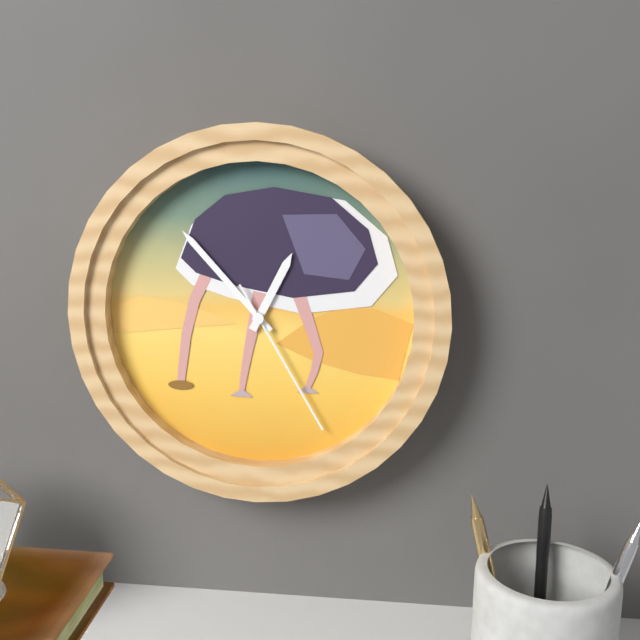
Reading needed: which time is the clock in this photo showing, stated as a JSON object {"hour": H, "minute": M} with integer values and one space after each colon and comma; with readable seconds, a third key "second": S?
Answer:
{"hour": 12, "minute": 53, "second": 25}
